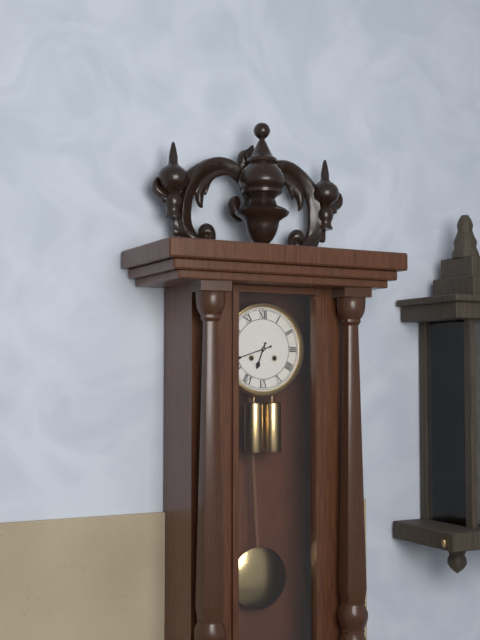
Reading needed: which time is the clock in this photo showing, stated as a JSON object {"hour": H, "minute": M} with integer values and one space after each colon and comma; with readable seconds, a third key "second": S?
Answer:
{"hour": 6, "minute": 42}
